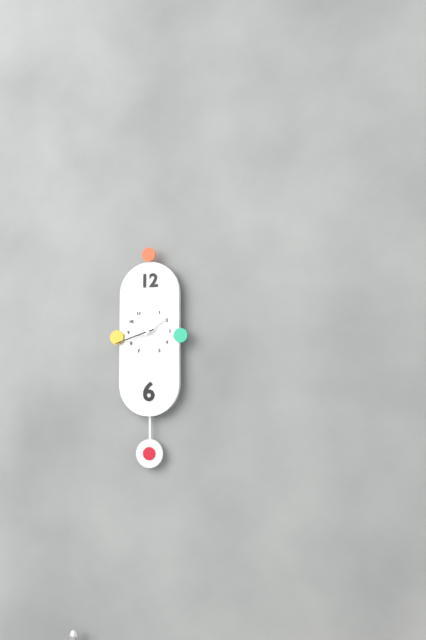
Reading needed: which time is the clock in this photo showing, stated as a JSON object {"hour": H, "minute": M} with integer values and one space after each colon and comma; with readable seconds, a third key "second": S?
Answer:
{"hour": 1, "minute": 42}
